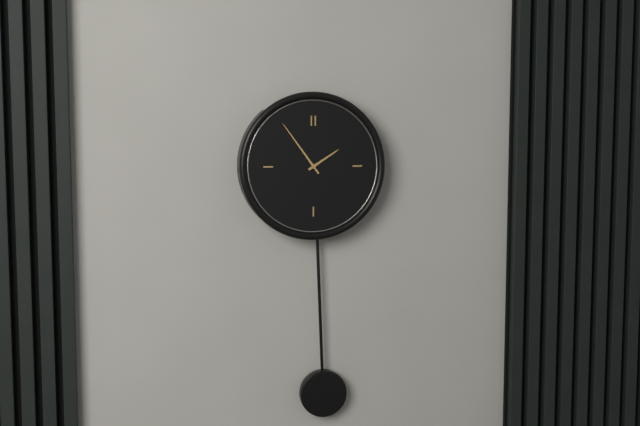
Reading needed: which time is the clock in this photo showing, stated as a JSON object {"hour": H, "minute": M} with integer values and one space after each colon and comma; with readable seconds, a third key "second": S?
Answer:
{"hour": 1, "minute": 54}
